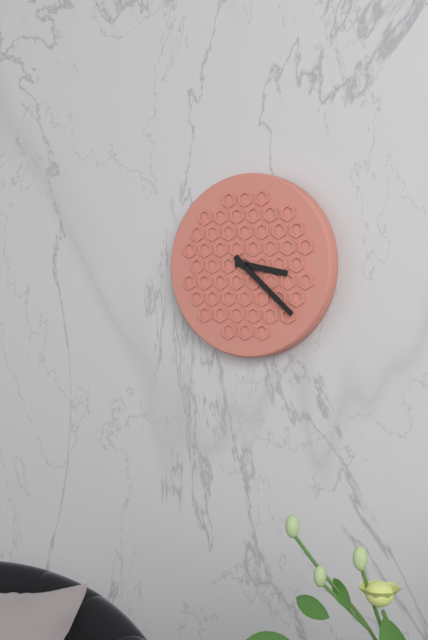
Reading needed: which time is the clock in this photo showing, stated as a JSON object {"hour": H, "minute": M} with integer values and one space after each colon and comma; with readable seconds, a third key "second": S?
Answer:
{"hour": 3, "minute": 22}
